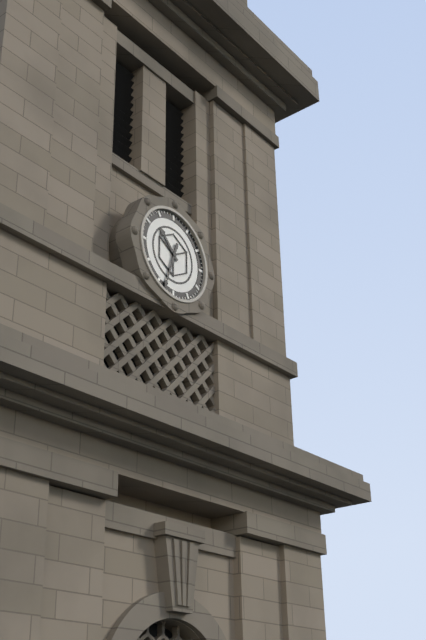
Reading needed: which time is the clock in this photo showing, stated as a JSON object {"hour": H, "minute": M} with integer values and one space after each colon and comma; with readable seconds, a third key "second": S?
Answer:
{"hour": 10, "minute": 33}
